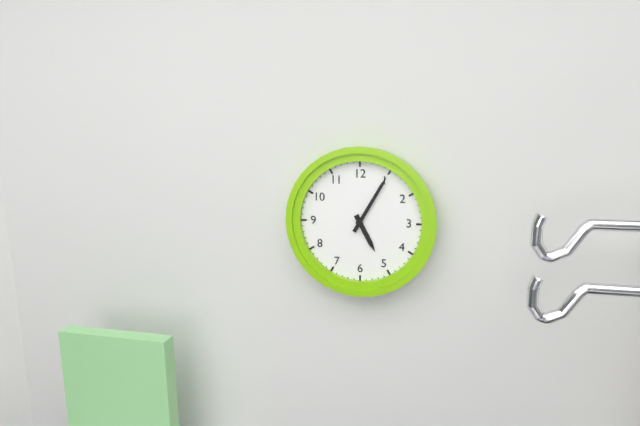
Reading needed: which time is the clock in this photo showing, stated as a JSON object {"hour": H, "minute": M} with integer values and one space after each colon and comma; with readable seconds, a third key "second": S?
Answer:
{"hour": 5, "minute": 5}
